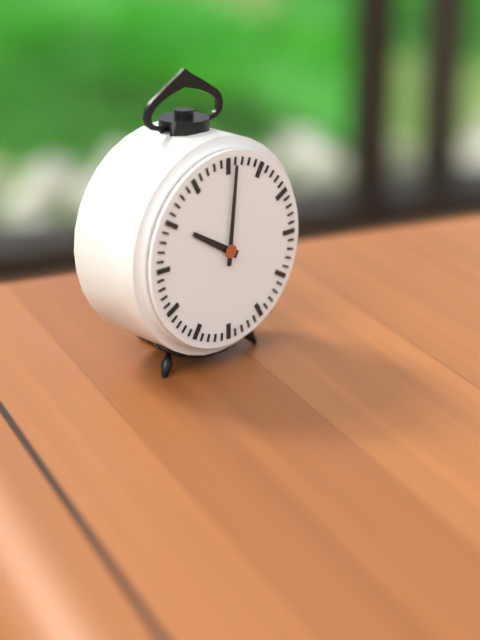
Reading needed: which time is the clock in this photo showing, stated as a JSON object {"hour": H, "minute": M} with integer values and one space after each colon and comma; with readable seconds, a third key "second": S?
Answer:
{"hour": 10, "minute": 1}
